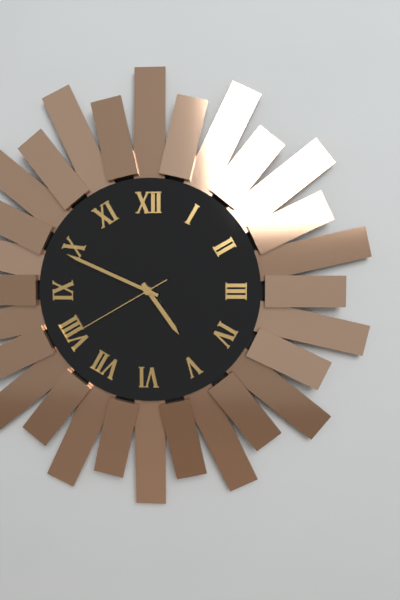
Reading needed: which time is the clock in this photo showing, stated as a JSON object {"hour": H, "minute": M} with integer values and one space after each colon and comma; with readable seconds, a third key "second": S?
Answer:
{"hour": 4, "minute": 49, "second": 40}
